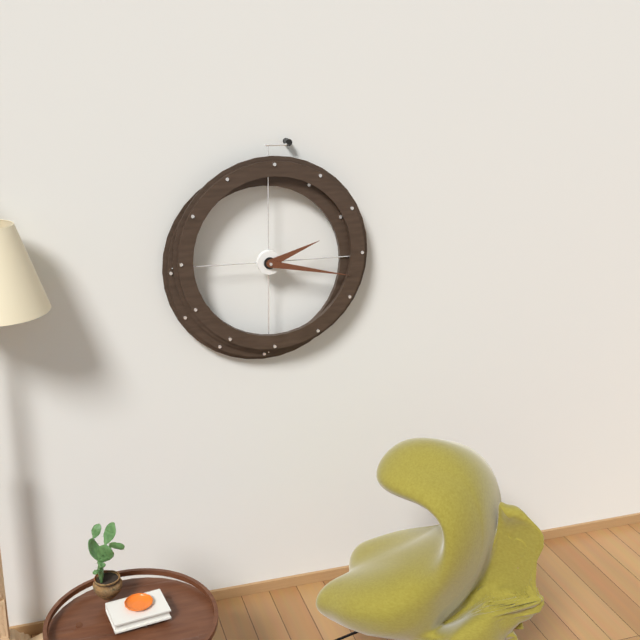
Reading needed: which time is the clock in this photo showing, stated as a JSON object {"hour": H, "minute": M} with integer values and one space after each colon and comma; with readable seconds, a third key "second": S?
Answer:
{"hour": 2, "minute": 17}
